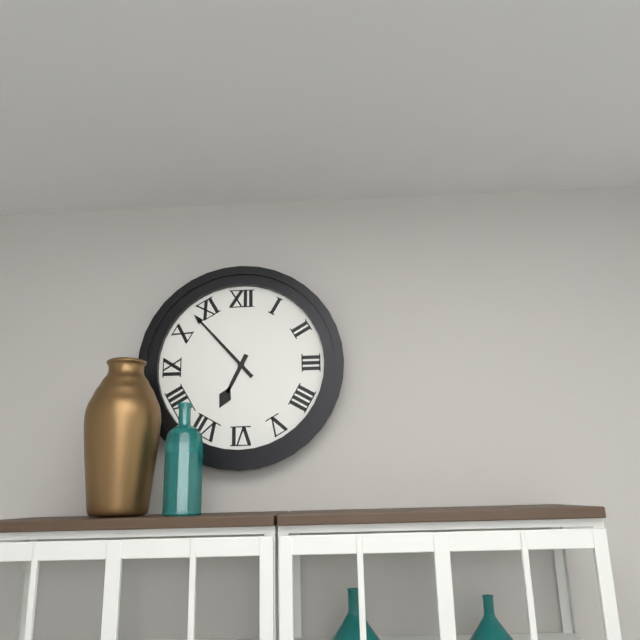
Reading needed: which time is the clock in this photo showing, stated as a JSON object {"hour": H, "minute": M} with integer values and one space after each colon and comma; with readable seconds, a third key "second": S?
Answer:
{"hour": 6, "minute": 53}
